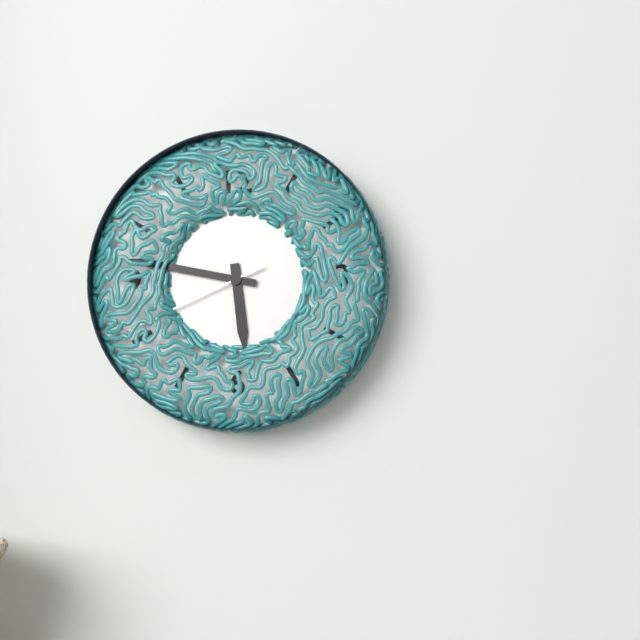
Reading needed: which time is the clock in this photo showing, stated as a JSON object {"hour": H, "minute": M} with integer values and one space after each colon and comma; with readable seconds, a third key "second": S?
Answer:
{"hour": 5, "minute": 47, "second": 41}
